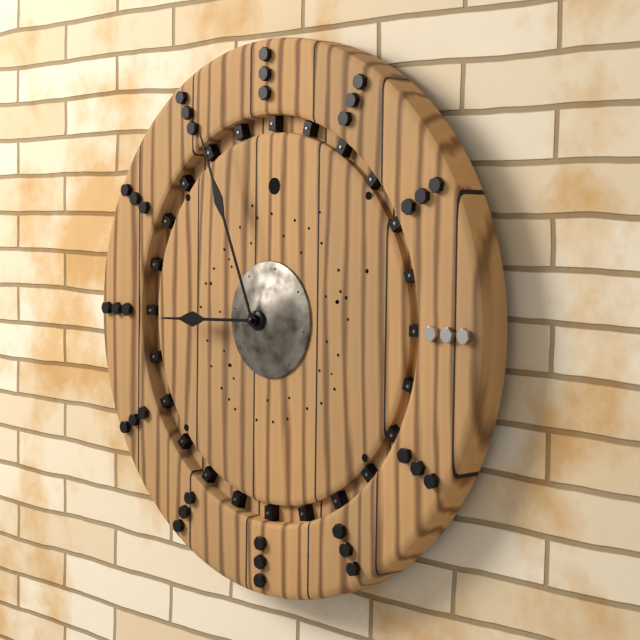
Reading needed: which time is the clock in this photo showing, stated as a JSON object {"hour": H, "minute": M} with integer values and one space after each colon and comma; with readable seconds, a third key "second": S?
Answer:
{"hour": 8, "minute": 56}
